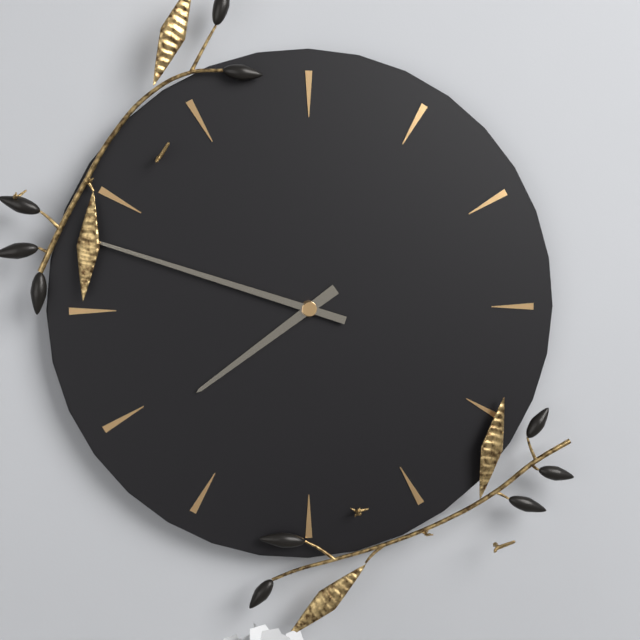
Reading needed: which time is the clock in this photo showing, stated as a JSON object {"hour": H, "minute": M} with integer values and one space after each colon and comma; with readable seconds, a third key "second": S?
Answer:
{"hour": 7, "minute": 48}
